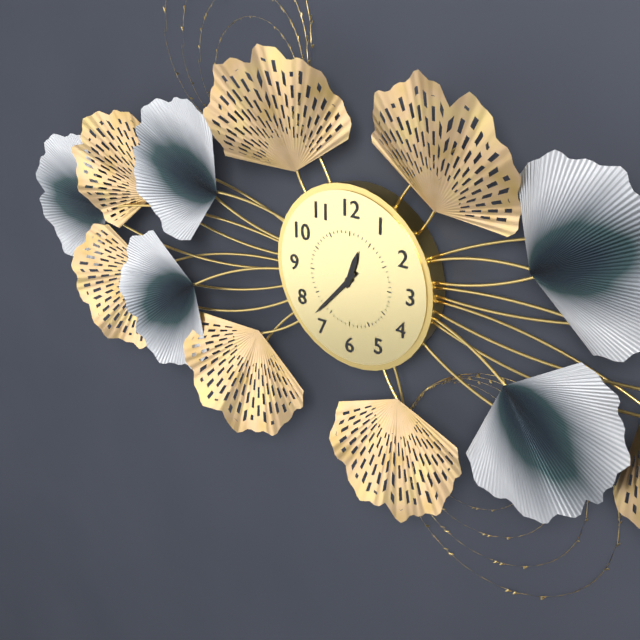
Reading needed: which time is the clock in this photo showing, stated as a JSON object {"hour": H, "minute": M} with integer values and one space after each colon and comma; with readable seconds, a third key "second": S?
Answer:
{"hour": 12, "minute": 37}
